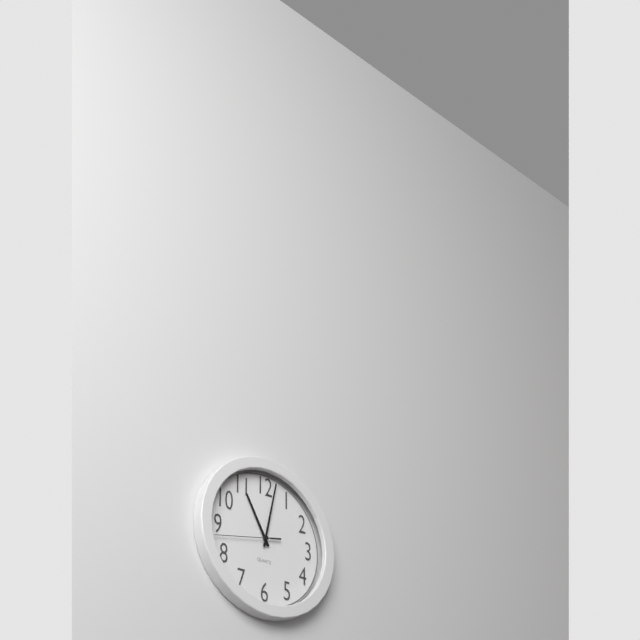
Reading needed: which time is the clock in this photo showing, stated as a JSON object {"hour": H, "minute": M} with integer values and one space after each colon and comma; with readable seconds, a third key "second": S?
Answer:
{"hour": 11, "minute": 2, "second": 43}
